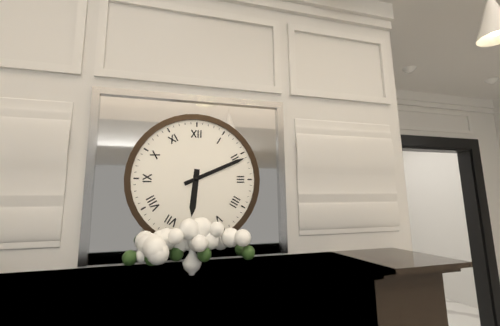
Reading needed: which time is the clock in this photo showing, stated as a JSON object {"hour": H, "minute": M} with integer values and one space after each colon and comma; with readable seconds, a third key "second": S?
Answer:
{"hour": 6, "minute": 11}
